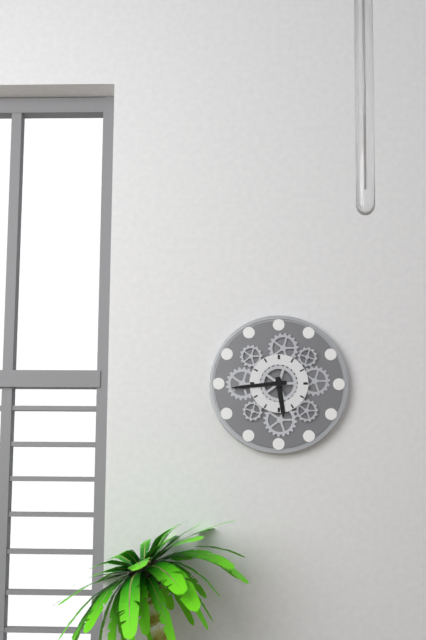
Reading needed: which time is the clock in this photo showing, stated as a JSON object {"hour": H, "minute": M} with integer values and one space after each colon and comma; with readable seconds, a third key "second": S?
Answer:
{"hour": 5, "minute": 44}
